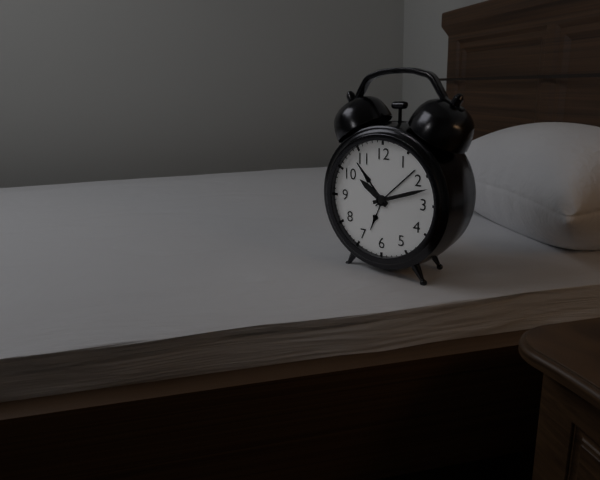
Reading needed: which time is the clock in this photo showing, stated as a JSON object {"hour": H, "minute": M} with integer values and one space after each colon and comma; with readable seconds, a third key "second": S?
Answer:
{"hour": 10, "minute": 12}
